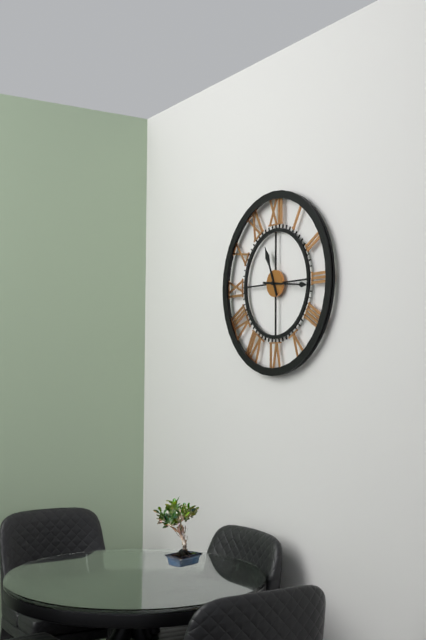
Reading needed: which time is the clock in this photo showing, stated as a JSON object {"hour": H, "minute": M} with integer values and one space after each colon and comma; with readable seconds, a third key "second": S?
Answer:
{"hour": 11, "minute": 16}
